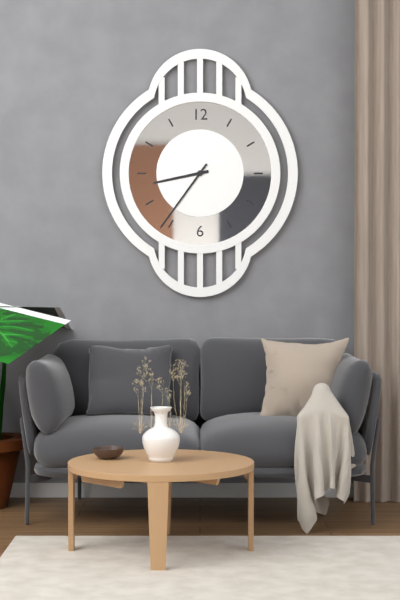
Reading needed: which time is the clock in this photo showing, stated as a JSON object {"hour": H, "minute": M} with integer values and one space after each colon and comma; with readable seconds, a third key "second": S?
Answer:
{"hour": 8, "minute": 36}
